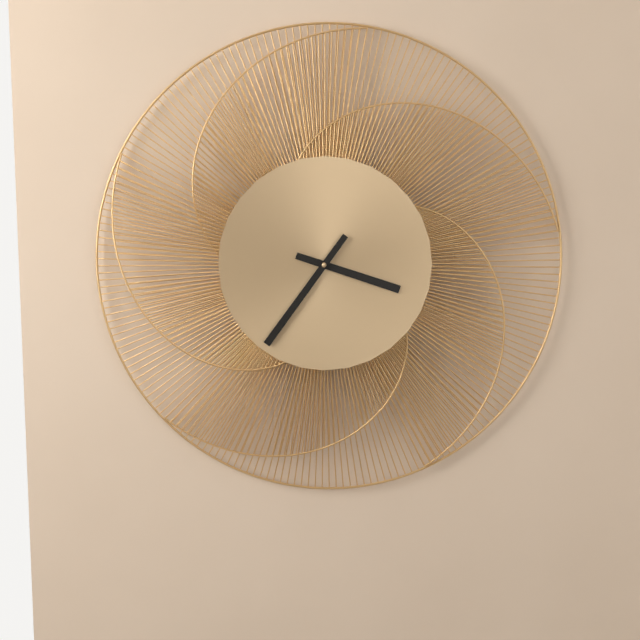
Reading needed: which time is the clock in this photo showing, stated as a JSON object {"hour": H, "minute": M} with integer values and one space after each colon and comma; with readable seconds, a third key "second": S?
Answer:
{"hour": 3, "minute": 36}
